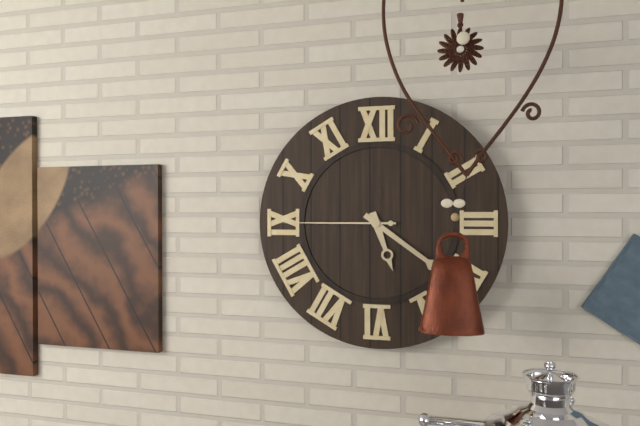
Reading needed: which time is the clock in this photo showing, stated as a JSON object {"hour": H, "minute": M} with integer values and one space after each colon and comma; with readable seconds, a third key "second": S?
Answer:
{"hour": 5, "minute": 21, "second": 45}
